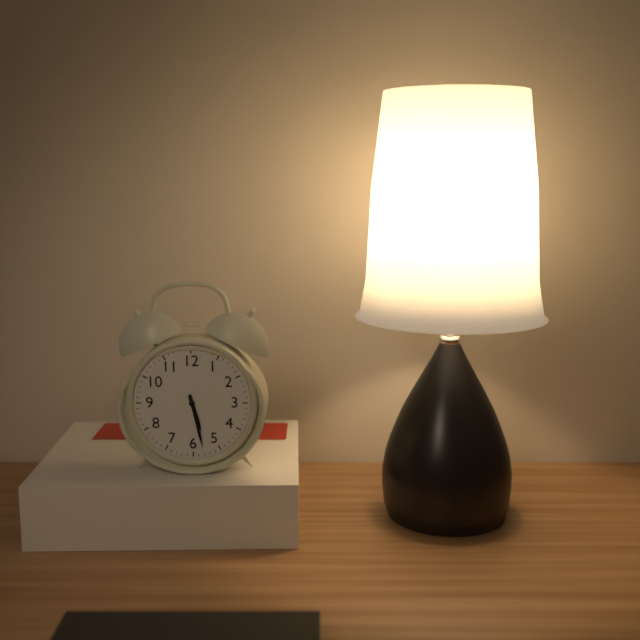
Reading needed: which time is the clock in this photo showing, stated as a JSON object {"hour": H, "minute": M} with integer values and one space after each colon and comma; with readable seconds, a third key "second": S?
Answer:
{"hour": 5, "minute": 28}
